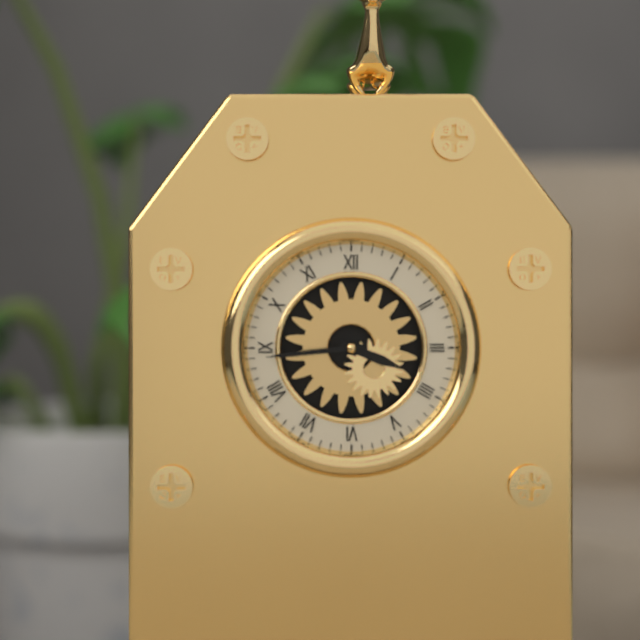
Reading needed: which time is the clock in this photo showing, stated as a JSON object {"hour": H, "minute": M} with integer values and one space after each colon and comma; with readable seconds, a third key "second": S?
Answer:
{"hour": 3, "minute": 44}
